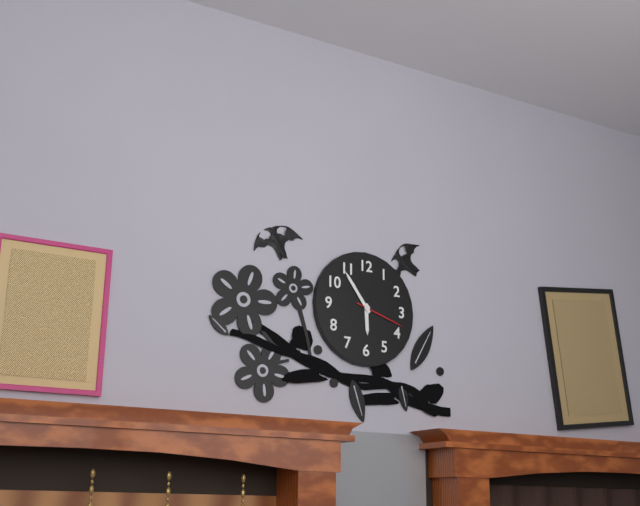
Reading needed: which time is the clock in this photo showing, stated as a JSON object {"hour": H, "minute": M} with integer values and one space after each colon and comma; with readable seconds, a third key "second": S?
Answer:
{"hour": 5, "minute": 54, "second": 18}
